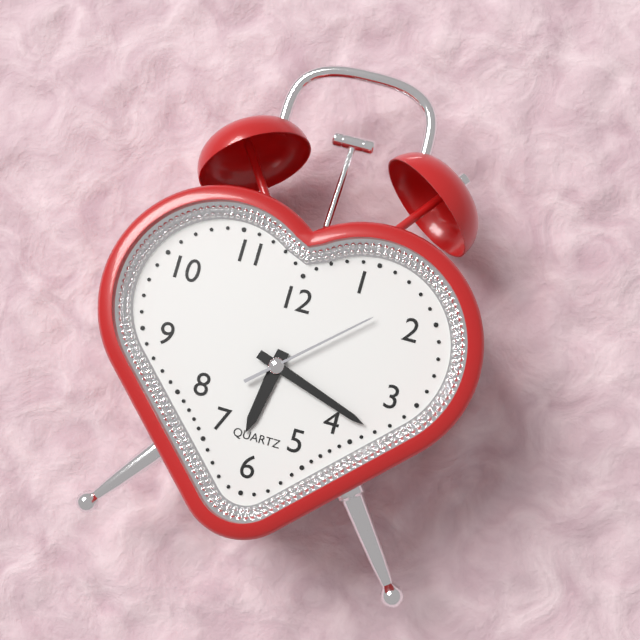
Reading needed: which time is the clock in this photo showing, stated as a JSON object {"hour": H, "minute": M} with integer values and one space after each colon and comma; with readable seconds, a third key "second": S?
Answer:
{"hour": 6, "minute": 18, "second": 8}
